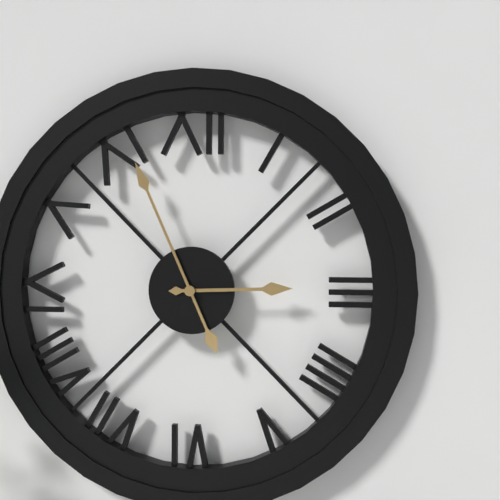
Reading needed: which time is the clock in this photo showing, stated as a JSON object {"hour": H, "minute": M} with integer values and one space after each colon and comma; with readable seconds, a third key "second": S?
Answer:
{"hour": 2, "minute": 56}
